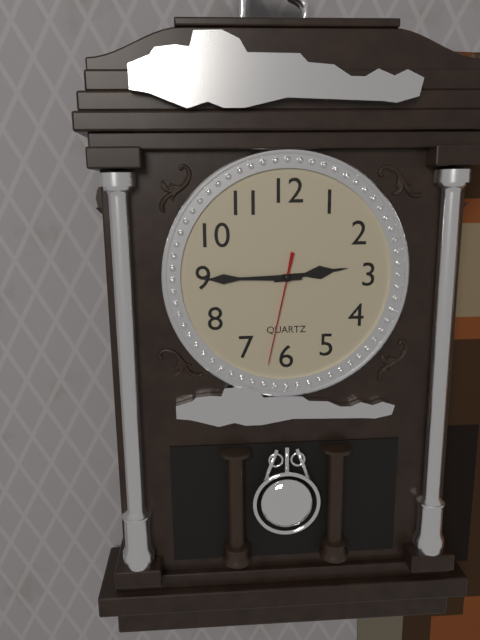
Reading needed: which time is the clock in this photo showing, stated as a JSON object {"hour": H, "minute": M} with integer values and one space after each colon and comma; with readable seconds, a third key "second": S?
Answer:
{"hour": 2, "minute": 45, "second": 32}
